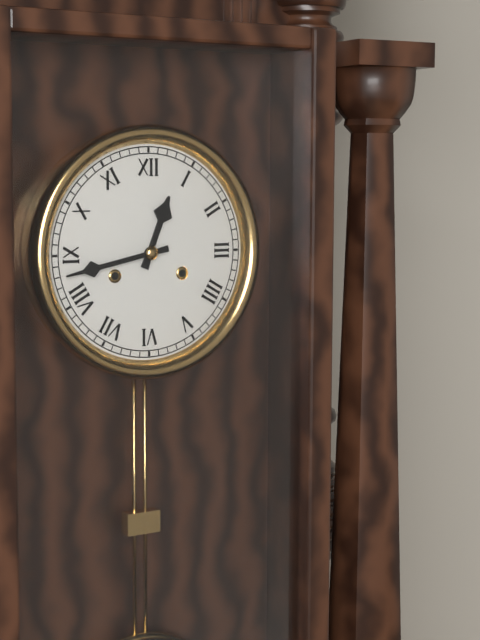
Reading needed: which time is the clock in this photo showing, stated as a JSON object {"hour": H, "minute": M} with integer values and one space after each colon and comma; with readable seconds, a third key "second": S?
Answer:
{"hour": 12, "minute": 43}
